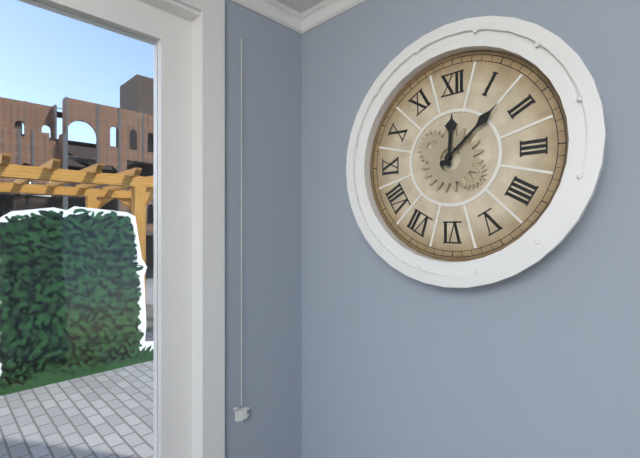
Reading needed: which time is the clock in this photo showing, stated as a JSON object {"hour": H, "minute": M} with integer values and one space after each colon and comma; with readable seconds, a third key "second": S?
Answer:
{"hour": 12, "minute": 8}
